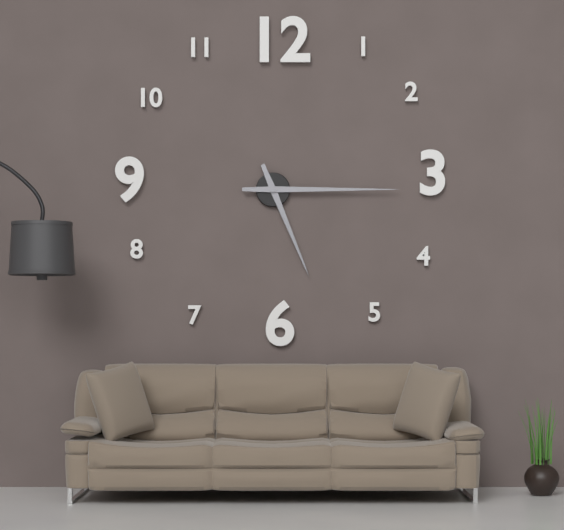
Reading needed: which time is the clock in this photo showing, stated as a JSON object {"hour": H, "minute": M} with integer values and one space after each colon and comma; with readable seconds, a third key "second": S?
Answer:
{"hour": 5, "minute": 15}
